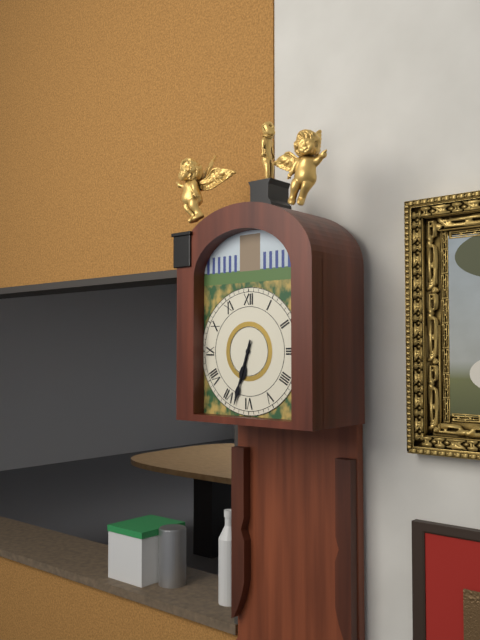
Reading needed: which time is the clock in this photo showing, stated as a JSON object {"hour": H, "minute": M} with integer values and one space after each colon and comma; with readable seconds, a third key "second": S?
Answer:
{"hour": 6, "minute": 33}
